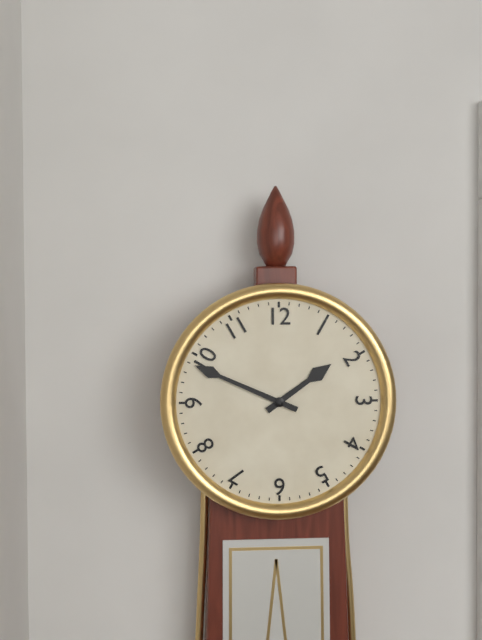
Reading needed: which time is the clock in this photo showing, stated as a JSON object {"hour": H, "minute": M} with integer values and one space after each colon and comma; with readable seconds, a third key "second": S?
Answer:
{"hour": 1, "minute": 49}
